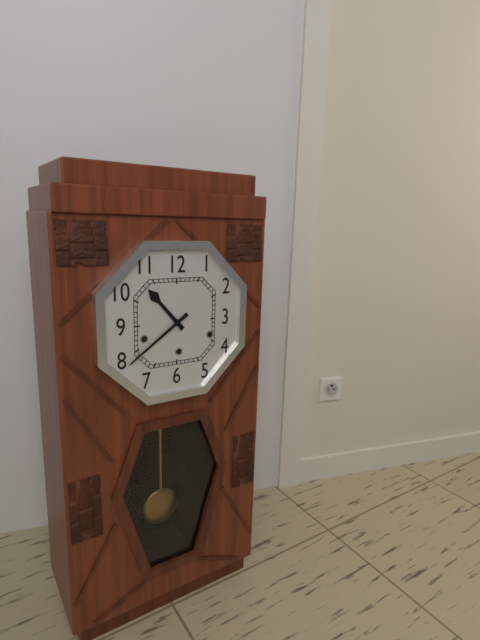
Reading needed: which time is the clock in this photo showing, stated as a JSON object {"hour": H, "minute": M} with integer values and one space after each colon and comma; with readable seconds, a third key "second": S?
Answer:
{"hour": 10, "minute": 39}
